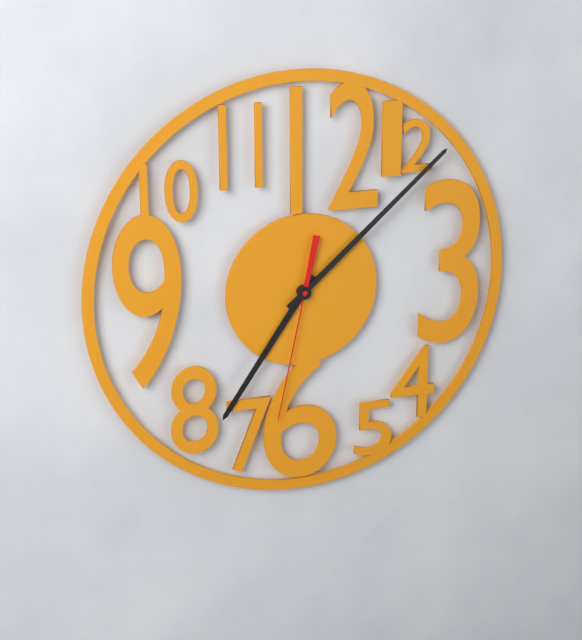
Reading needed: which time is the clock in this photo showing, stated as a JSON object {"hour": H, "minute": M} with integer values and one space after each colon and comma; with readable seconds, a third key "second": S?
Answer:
{"hour": 7, "minute": 8, "second": 32}
